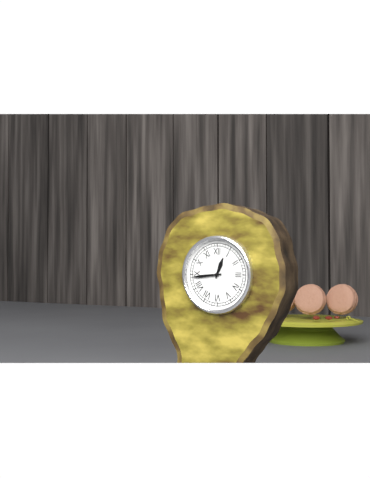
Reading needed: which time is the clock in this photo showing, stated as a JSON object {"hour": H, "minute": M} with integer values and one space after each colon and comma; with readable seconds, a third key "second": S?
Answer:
{"hour": 12, "minute": 44}
